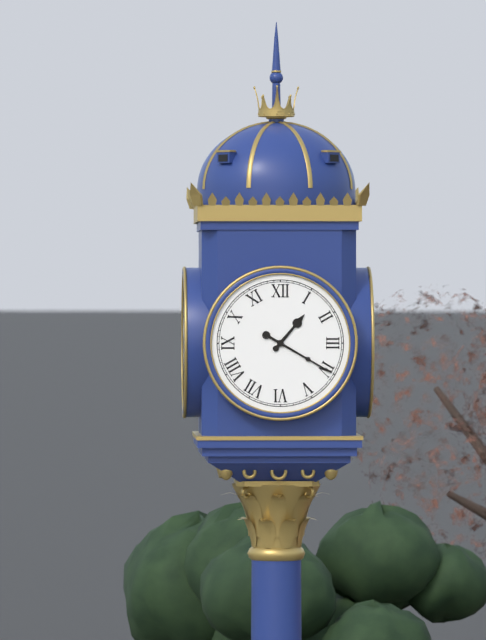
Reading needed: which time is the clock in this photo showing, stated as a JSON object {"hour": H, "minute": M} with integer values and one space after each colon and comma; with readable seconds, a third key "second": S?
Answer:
{"hour": 1, "minute": 20}
